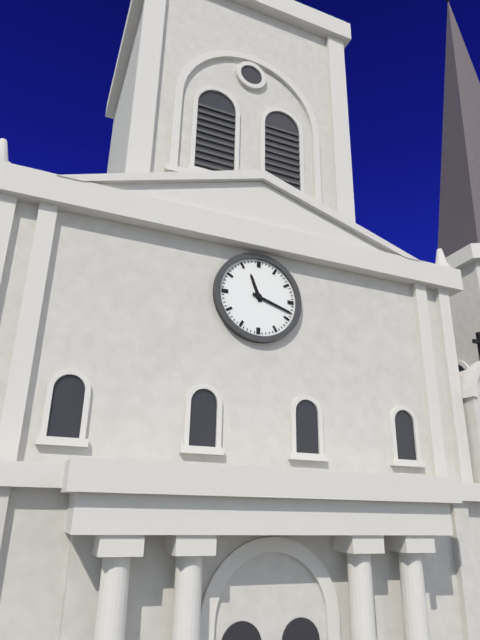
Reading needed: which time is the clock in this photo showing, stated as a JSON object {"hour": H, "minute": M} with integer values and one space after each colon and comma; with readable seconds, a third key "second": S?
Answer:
{"hour": 11, "minute": 18}
